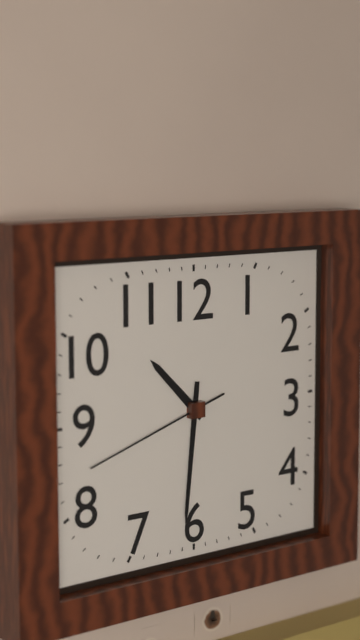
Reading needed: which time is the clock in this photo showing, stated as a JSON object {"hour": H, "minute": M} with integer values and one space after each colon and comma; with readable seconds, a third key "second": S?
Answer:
{"hour": 10, "minute": 31, "second": 42}
